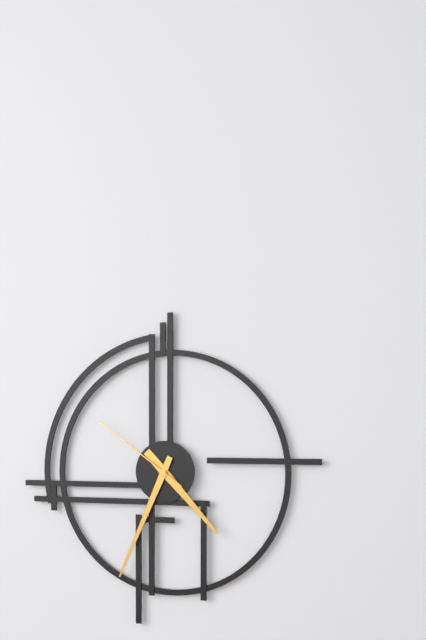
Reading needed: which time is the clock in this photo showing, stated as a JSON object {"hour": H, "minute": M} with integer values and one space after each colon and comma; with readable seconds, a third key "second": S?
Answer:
{"hour": 4, "minute": 34, "second": 51}
